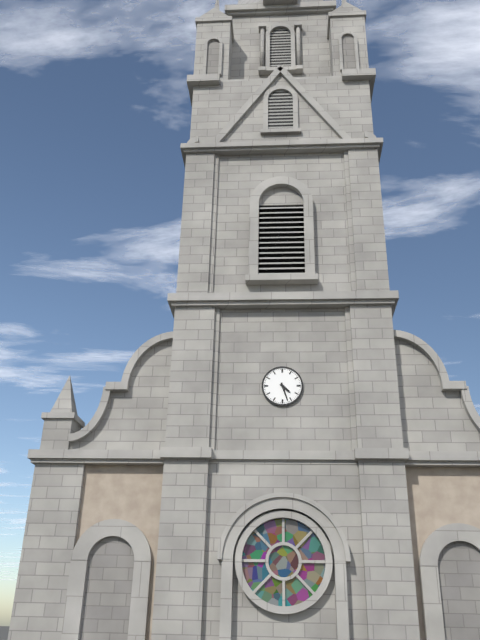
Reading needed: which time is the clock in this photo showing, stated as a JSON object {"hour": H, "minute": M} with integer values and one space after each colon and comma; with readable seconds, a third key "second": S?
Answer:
{"hour": 4, "minute": 27}
